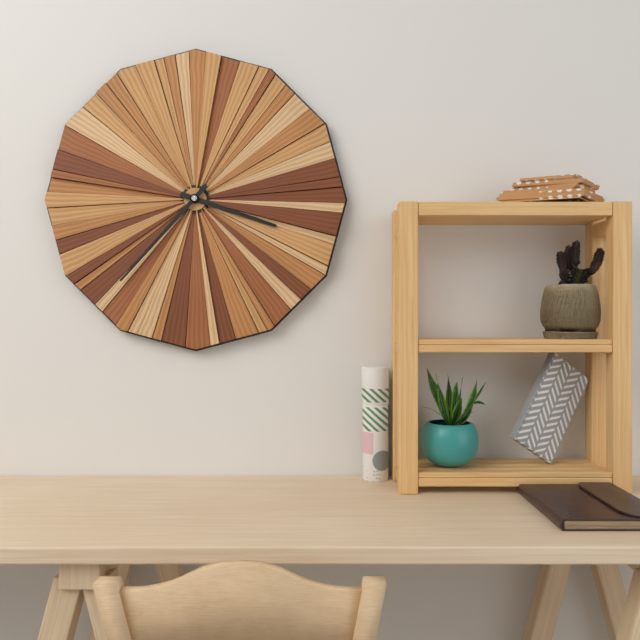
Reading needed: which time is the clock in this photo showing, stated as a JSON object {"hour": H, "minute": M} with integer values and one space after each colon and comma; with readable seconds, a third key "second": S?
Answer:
{"hour": 3, "minute": 37}
